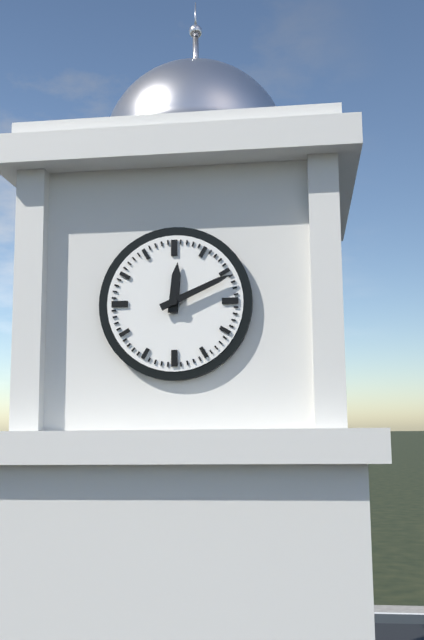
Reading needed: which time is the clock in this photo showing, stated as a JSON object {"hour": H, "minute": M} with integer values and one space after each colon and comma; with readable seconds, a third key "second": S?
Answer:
{"hour": 12, "minute": 11}
